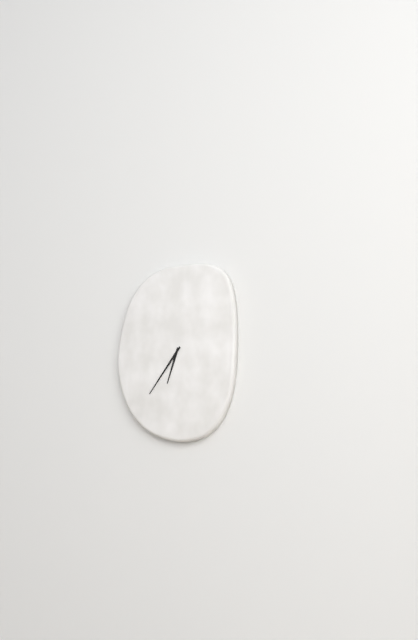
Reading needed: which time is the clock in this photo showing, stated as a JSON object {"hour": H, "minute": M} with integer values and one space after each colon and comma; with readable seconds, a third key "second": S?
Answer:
{"hour": 6, "minute": 36}
